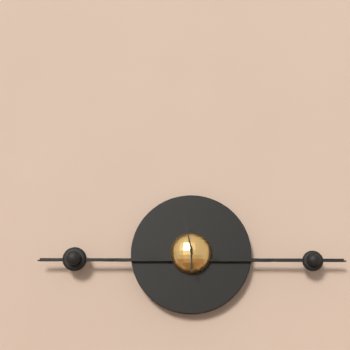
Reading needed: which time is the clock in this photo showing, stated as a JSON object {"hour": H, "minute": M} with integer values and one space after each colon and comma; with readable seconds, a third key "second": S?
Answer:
{"hour": 5, "minute": 58}
